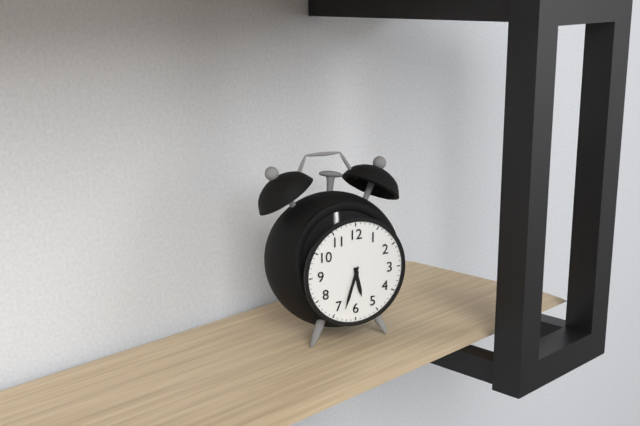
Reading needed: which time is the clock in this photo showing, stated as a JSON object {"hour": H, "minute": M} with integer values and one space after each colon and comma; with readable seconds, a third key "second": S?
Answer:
{"hour": 5, "minute": 33}
